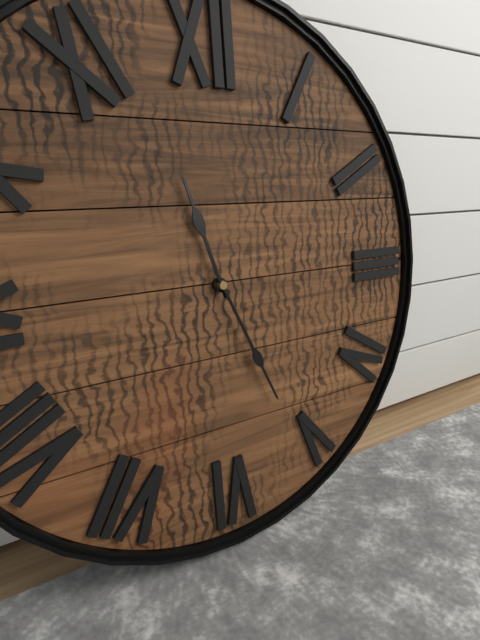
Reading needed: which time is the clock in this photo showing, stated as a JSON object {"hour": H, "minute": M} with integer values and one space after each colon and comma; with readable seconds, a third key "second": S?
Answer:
{"hour": 11, "minute": 26}
